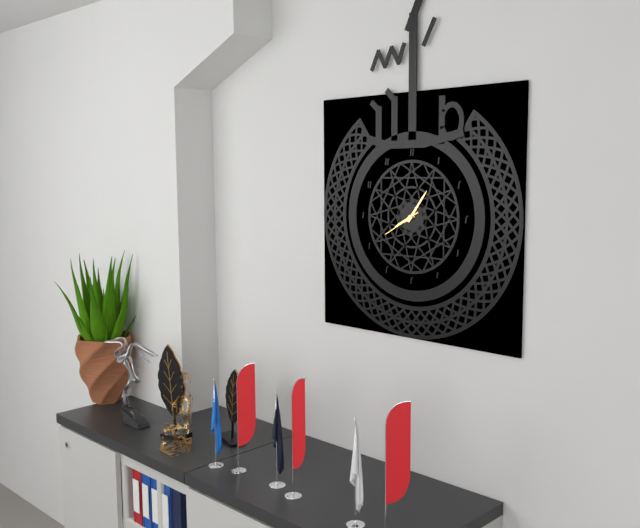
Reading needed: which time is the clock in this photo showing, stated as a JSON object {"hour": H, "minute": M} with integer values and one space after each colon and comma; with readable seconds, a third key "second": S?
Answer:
{"hour": 8, "minute": 6}
